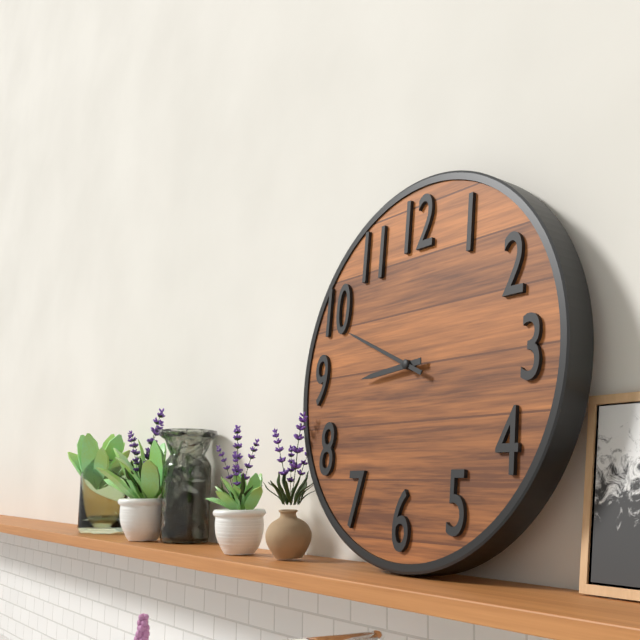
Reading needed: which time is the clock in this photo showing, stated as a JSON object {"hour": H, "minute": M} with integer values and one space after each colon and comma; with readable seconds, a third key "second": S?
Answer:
{"hour": 8, "minute": 49}
